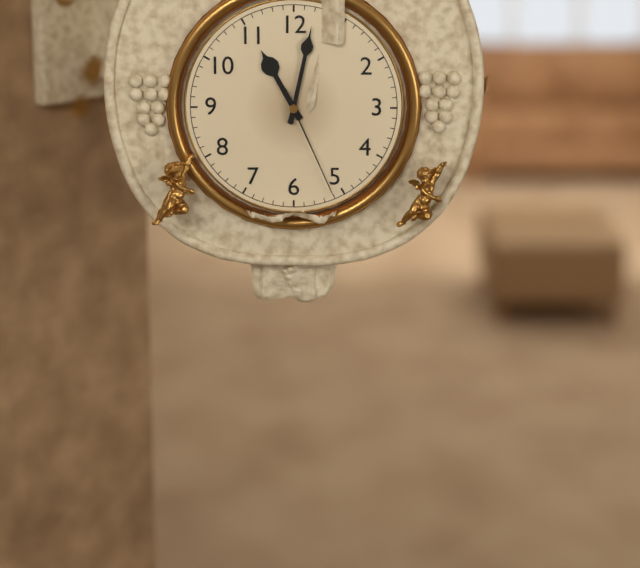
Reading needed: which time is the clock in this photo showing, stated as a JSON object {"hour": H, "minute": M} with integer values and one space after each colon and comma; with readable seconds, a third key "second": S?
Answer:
{"hour": 11, "minute": 2, "second": 26}
